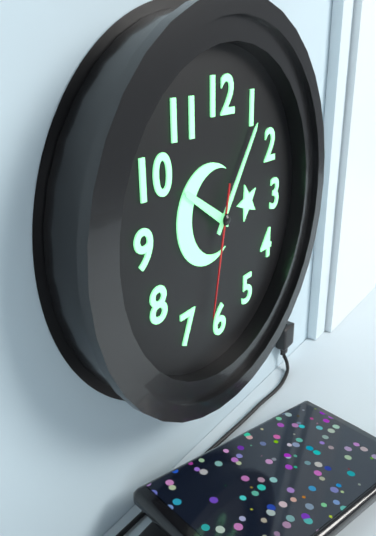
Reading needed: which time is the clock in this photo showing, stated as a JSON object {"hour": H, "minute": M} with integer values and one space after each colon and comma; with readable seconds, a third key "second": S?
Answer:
{"hour": 10, "minute": 6, "second": 32}
